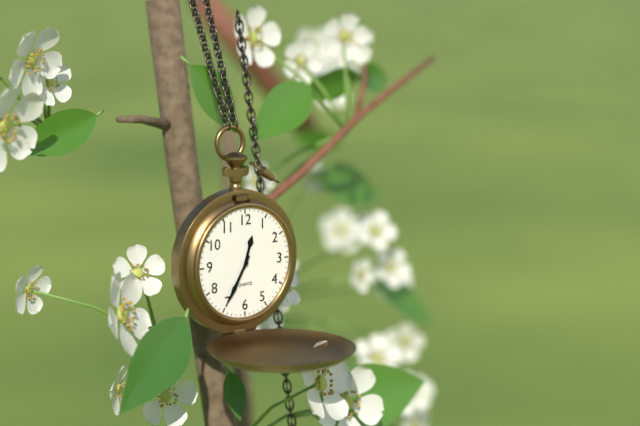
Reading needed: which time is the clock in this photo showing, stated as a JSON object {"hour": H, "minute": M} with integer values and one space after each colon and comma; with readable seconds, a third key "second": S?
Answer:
{"hour": 12, "minute": 35}
